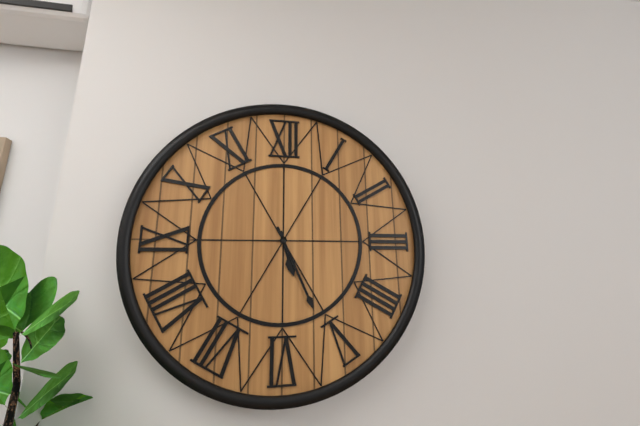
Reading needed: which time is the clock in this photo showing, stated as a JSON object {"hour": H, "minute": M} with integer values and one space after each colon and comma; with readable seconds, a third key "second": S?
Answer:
{"hour": 5, "minute": 26}
